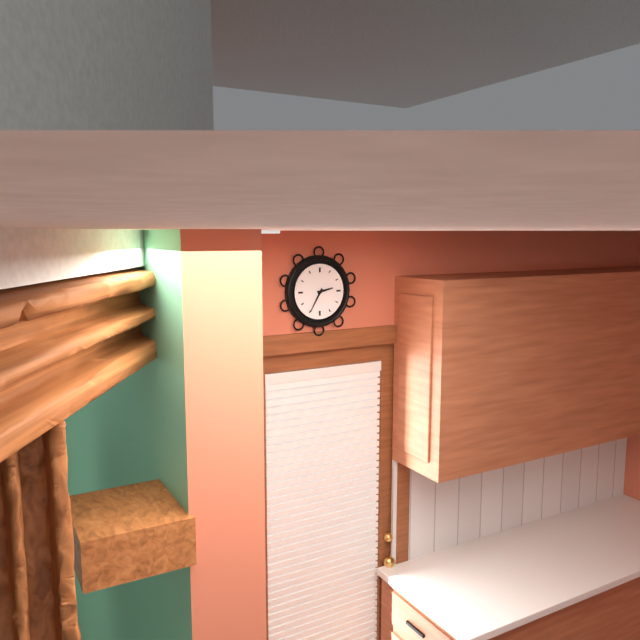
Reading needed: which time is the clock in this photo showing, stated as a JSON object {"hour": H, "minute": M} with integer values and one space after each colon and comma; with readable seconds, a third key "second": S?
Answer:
{"hour": 2, "minute": 35}
